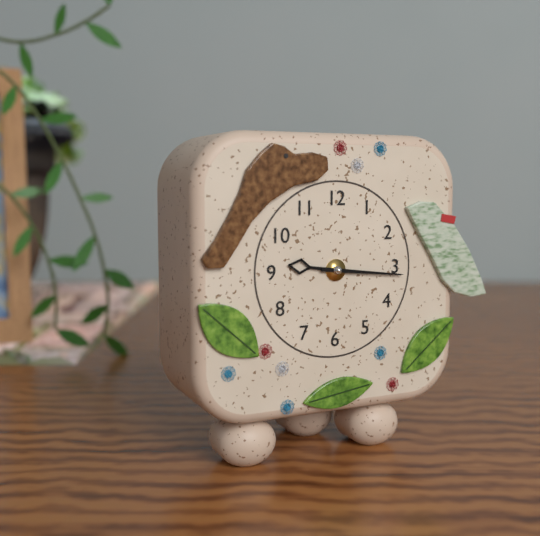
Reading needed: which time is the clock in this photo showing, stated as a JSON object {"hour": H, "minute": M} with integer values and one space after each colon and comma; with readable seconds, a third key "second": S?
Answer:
{"hour": 9, "minute": 16}
